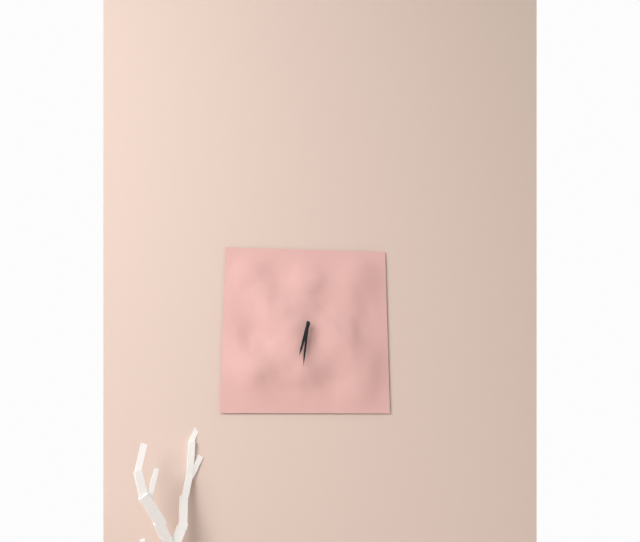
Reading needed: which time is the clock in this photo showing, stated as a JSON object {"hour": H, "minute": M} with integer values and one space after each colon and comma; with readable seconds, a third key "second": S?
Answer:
{"hour": 6, "minute": 31}
